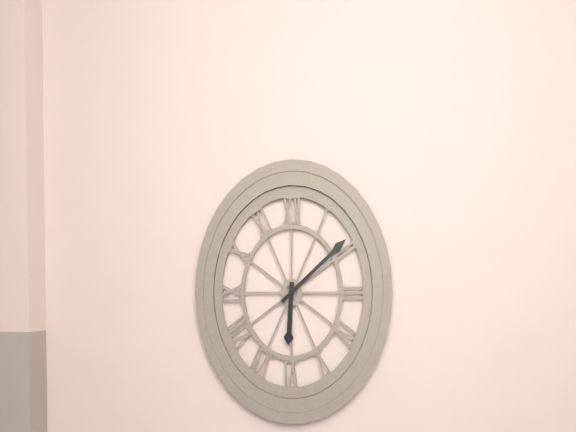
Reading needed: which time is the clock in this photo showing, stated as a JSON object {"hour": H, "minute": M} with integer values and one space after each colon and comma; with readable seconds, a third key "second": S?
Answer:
{"hour": 6, "minute": 9}
